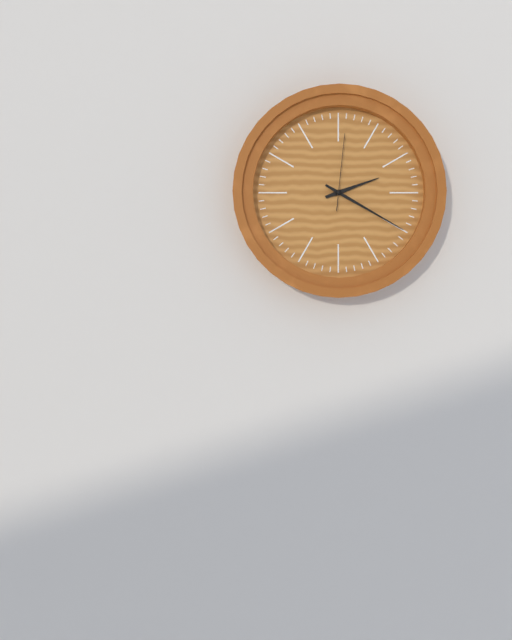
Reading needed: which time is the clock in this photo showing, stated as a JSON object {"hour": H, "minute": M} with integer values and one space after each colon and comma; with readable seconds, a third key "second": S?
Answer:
{"hour": 2, "minute": 20, "second": 1}
